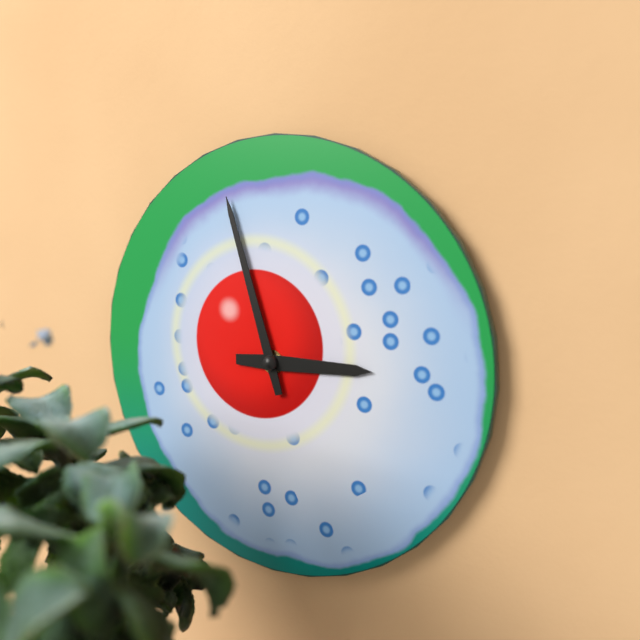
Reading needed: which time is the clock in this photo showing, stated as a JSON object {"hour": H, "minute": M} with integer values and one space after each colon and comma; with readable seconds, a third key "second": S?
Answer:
{"hour": 2, "minute": 57}
